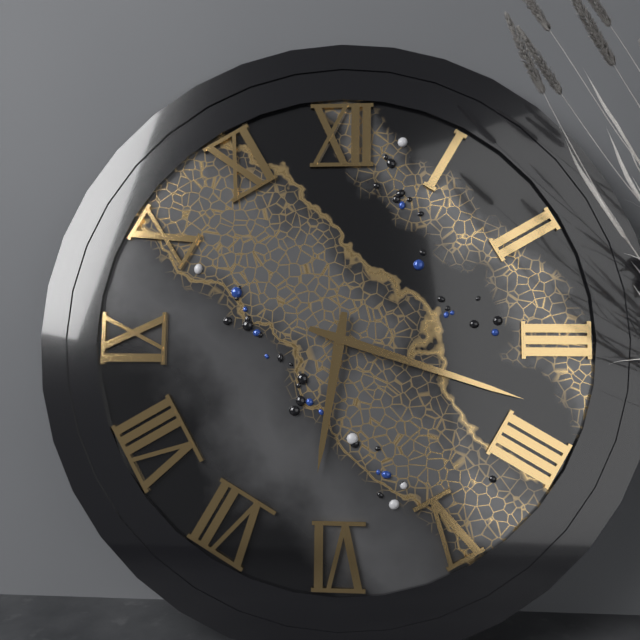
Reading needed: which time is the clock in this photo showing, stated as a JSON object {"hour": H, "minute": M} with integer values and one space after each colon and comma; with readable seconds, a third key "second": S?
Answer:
{"hour": 6, "minute": 18}
